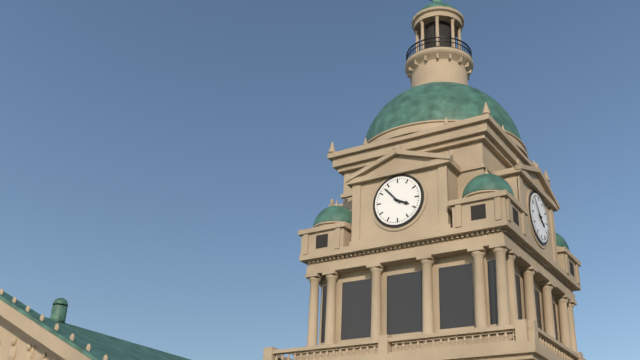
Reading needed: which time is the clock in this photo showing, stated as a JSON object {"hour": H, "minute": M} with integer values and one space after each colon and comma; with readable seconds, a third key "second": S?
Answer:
{"hour": 3, "minute": 53}
